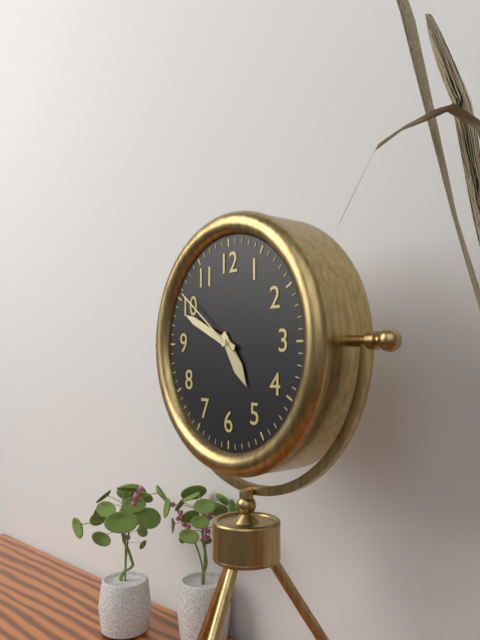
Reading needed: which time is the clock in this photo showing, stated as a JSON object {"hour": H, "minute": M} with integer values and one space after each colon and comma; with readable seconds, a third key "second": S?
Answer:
{"hour": 4, "minute": 49, "second": 51}
